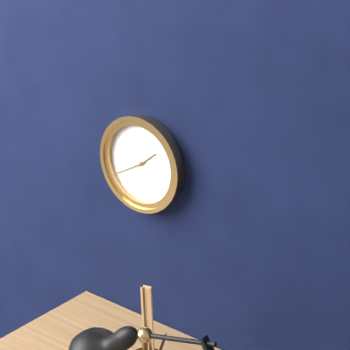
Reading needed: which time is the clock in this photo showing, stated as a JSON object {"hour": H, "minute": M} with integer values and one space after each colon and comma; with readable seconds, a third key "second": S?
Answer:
{"hour": 1, "minute": 40}
